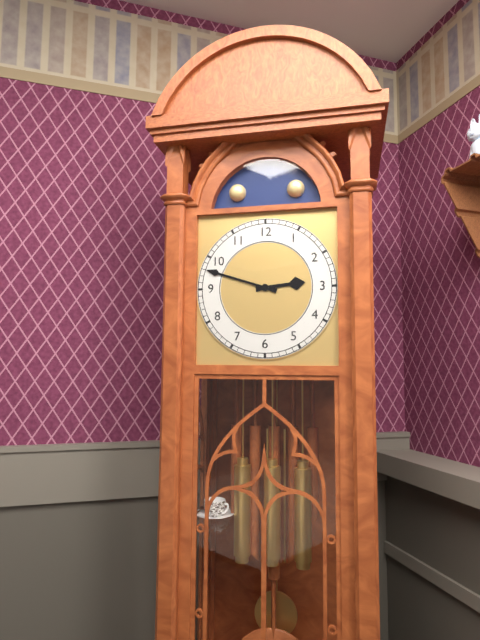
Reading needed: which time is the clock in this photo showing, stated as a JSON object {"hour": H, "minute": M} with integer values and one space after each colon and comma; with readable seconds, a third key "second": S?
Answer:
{"hour": 2, "minute": 48}
